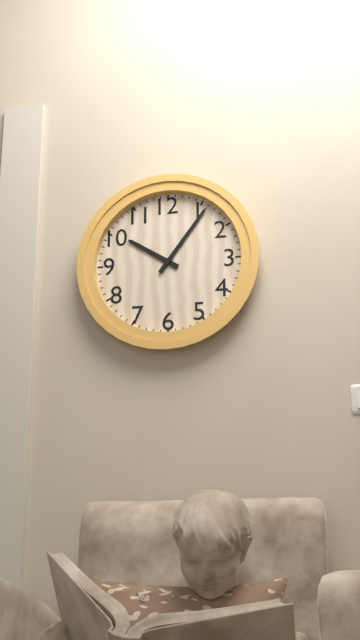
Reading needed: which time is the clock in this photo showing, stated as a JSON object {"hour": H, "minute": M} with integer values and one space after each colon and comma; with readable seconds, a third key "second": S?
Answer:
{"hour": 10, "minute": 6}
